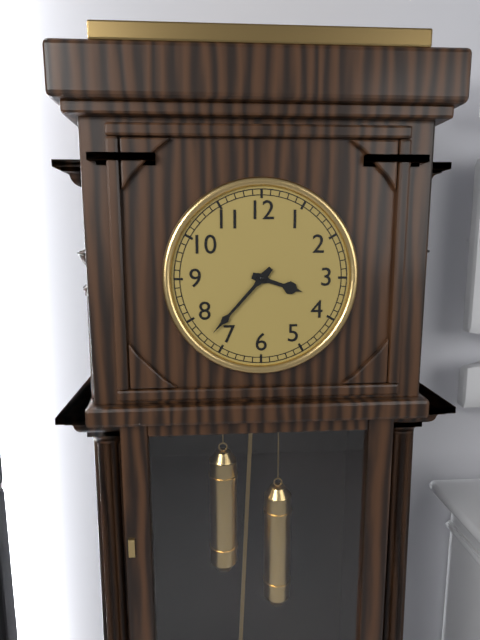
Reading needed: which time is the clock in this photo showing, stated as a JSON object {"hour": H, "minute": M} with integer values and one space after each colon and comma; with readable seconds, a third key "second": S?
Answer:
{"hour": 3, "minute": 37}
